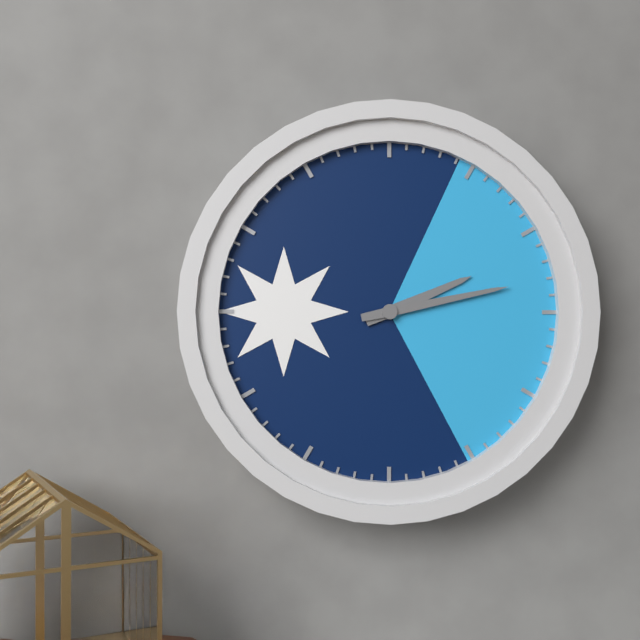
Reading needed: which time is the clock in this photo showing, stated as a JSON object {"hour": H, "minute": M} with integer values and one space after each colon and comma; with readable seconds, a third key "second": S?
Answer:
{"hour": 2, "minute": 13}
